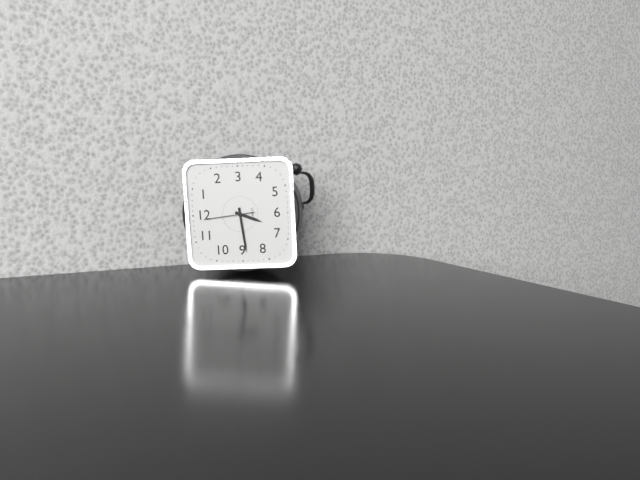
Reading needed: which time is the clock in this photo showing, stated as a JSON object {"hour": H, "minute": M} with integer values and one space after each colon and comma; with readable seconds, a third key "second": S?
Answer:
{"hour": 6, "minute": 44}
